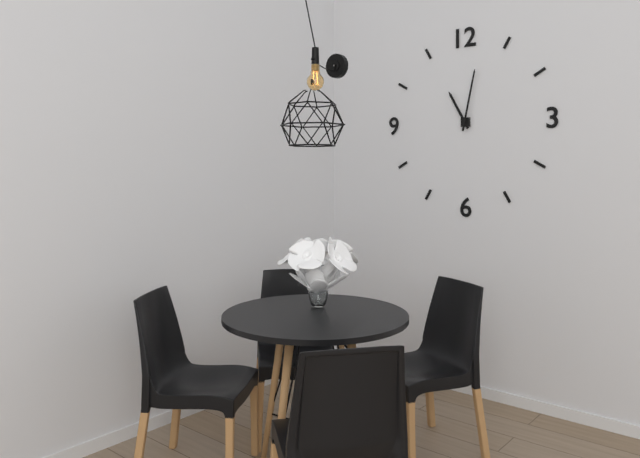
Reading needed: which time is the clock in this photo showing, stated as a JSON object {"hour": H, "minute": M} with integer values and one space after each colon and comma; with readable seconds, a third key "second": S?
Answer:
{"hour": 11, "minute": 2}
